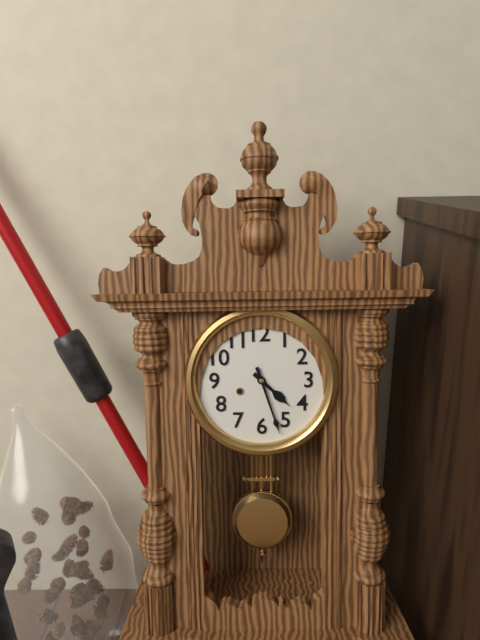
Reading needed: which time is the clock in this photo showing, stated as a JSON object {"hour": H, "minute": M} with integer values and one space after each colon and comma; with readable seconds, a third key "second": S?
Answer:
{"hour": 4, "minute": 27}
